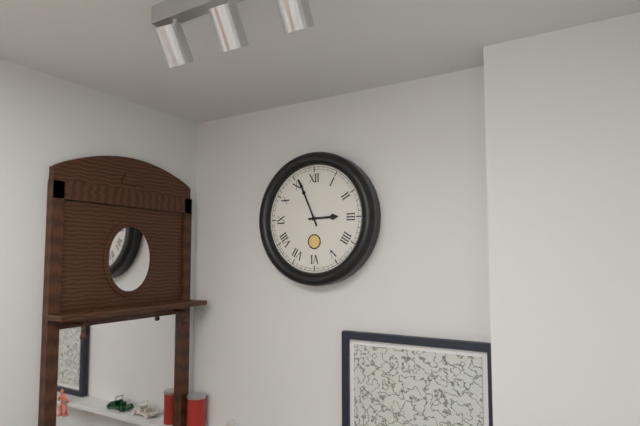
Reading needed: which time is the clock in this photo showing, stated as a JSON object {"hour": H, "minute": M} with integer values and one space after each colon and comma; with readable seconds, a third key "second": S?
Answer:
{"hour": 2, "minute": 56}
